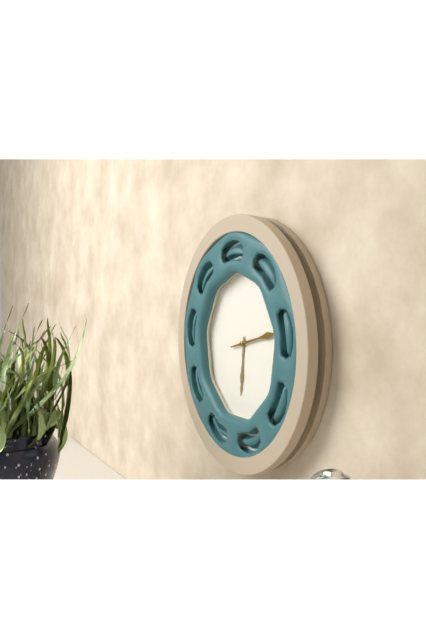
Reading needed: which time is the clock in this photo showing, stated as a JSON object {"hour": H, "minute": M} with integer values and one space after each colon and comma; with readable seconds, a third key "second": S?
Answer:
{"hour": 6, "minute": 13}
